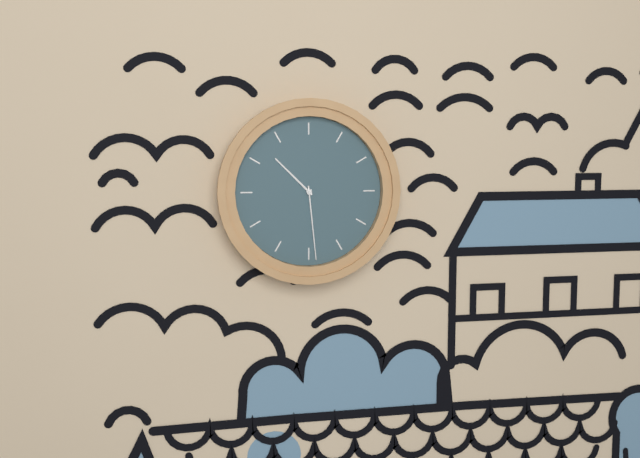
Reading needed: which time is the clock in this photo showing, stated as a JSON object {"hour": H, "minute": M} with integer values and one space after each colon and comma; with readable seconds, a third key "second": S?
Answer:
{"hour": 10, "minute": 29}
